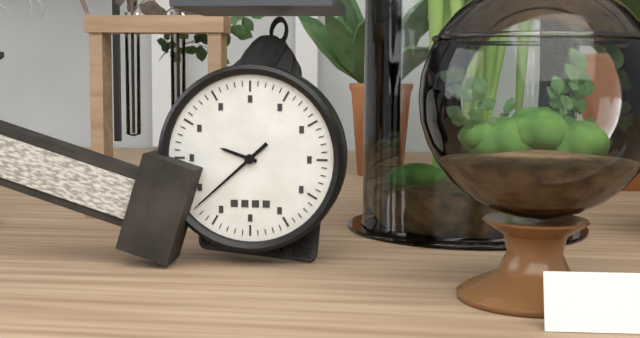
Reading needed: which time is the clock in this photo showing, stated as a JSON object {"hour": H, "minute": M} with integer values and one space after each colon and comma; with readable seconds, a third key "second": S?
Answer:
{"hour": 9, "minute": 38}
